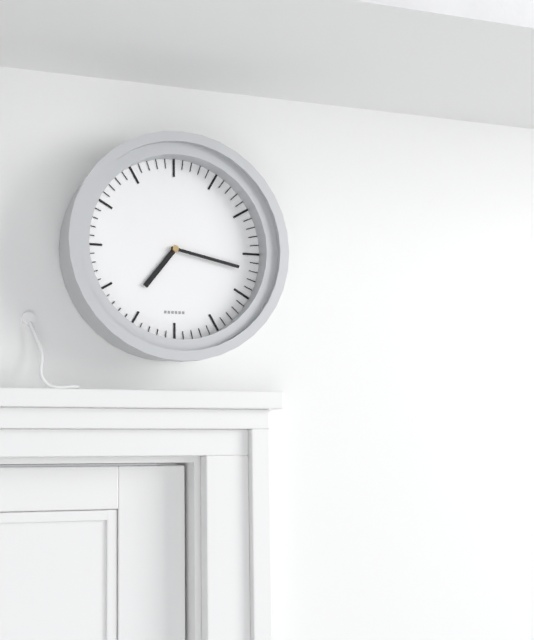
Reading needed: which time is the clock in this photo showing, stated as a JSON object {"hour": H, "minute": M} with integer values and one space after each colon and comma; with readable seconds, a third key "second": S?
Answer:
{"hour": 7, "minute": 17}
